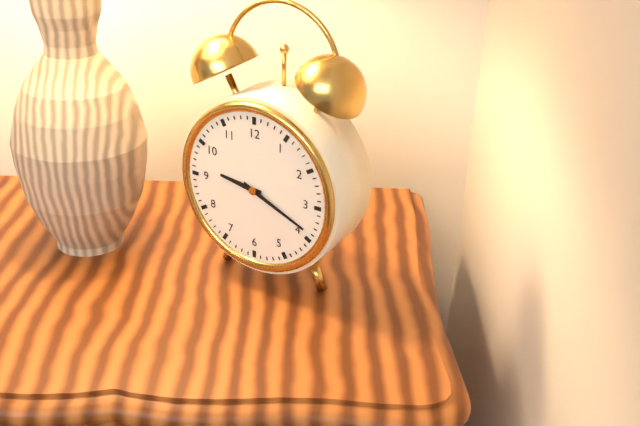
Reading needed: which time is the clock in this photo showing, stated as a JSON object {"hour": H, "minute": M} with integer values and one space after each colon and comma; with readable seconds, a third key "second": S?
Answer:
{"hour": 9, "minute": 19}
